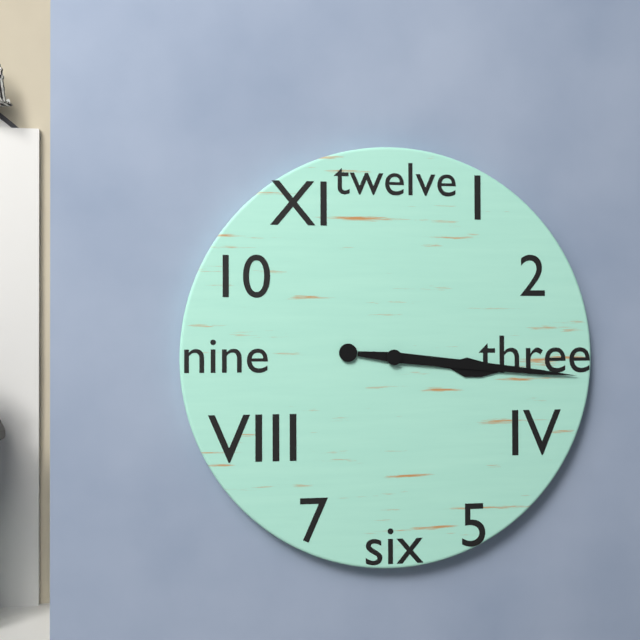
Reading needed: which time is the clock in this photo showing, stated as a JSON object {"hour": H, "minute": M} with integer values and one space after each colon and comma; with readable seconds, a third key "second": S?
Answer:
{"hour": 3, "minute": 16}
